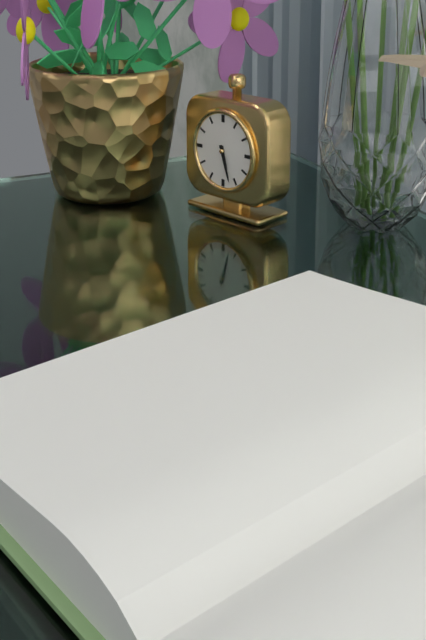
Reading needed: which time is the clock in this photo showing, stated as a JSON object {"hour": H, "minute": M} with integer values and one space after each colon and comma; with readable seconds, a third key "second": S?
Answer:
{"hour": 5, "minute": 27}
